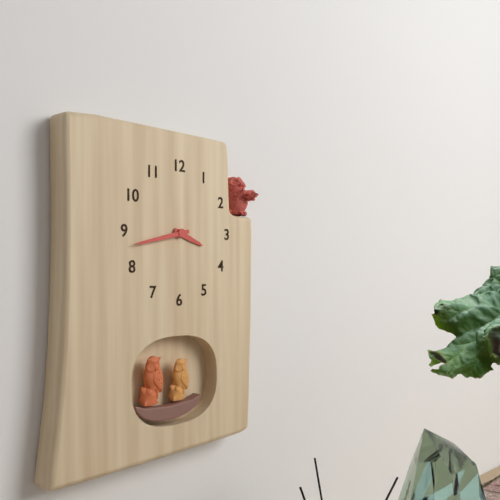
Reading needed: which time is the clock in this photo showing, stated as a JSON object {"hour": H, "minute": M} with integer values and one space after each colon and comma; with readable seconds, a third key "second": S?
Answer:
{"hour": 3, "minute": 43}
